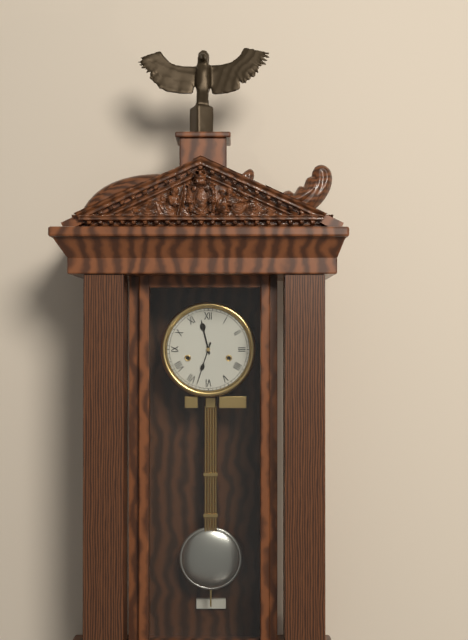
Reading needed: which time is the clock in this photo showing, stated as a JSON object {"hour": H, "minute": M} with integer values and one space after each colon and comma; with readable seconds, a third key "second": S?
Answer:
{"hour": 11, "minute": 33}
